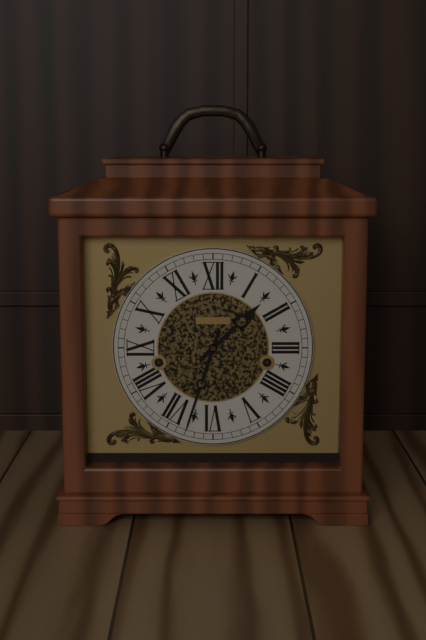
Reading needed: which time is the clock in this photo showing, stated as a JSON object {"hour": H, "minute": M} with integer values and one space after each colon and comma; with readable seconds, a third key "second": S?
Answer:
{"hour": 1, "minute": 33}
